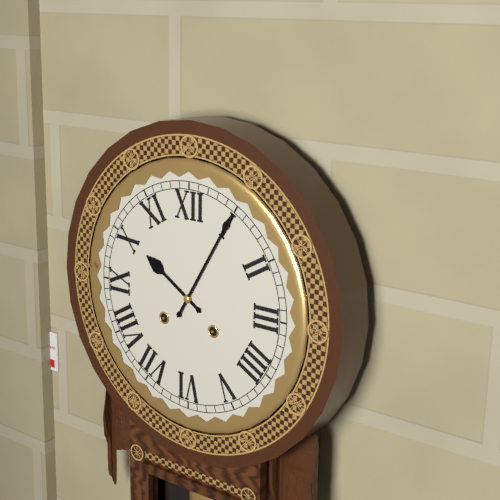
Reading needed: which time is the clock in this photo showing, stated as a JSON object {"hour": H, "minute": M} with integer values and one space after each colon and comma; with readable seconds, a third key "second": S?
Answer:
{"hour": 10, "minute": 5}
